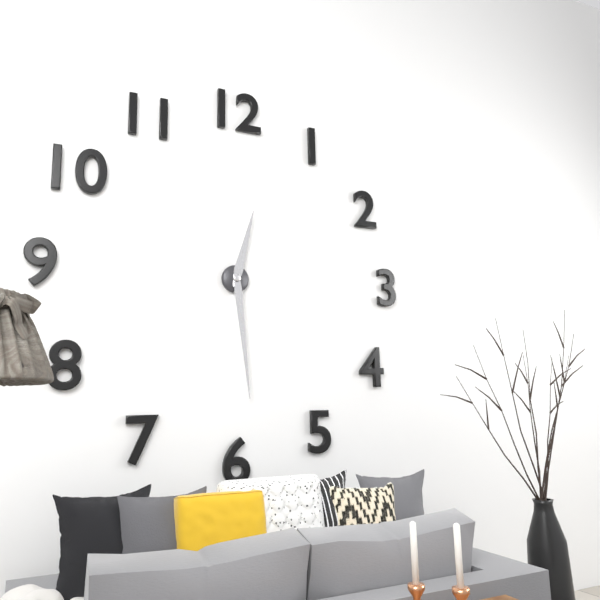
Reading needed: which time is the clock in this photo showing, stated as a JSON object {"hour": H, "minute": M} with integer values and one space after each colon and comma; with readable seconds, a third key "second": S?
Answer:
{"hour": 12, "minute": 29}
